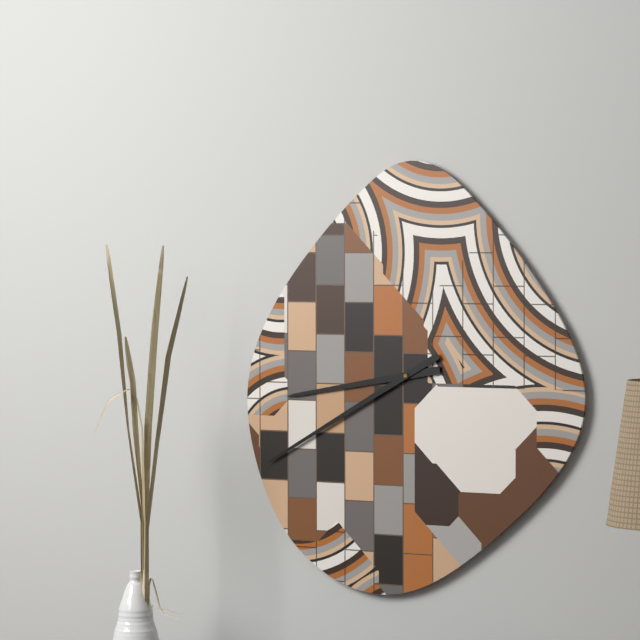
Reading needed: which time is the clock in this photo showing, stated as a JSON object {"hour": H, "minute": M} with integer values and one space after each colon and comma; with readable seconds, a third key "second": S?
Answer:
{"hour": 8, "minute": 40}
